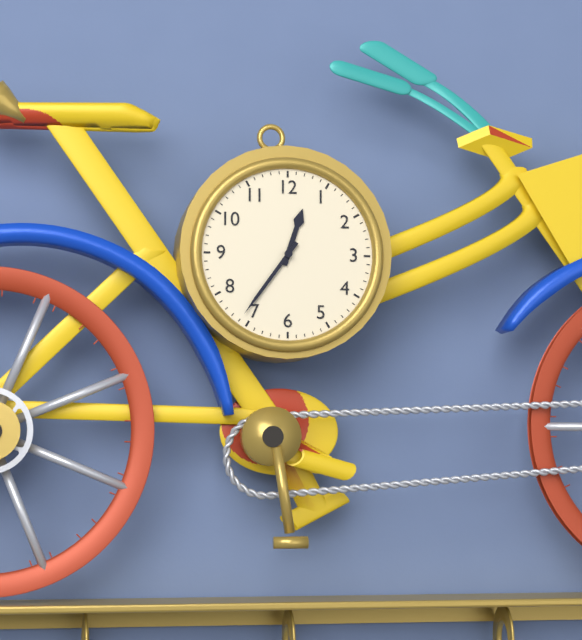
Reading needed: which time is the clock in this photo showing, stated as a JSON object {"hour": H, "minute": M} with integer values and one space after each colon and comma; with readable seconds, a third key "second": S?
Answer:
{"hour": 12, "minute": 36}
